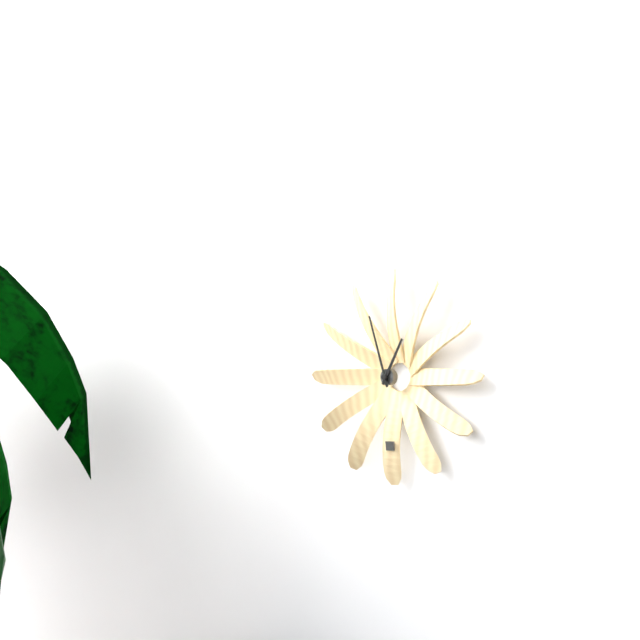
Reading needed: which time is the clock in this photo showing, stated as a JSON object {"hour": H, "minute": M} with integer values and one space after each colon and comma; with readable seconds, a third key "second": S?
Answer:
{"hour": 12, "minute": 57}
